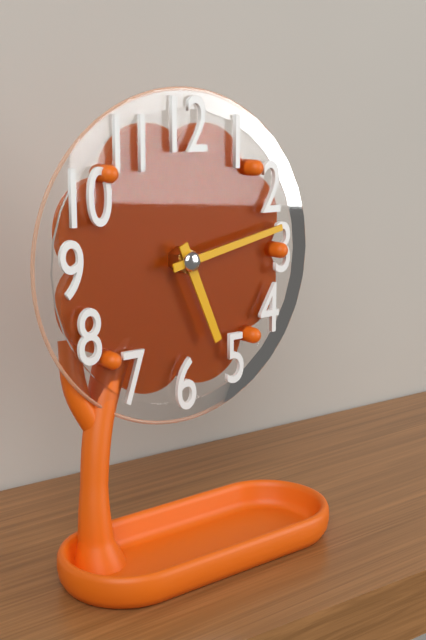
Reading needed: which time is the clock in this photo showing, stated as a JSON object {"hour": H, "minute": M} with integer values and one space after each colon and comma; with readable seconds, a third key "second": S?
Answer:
{"hour": 5, "minute": 13}
